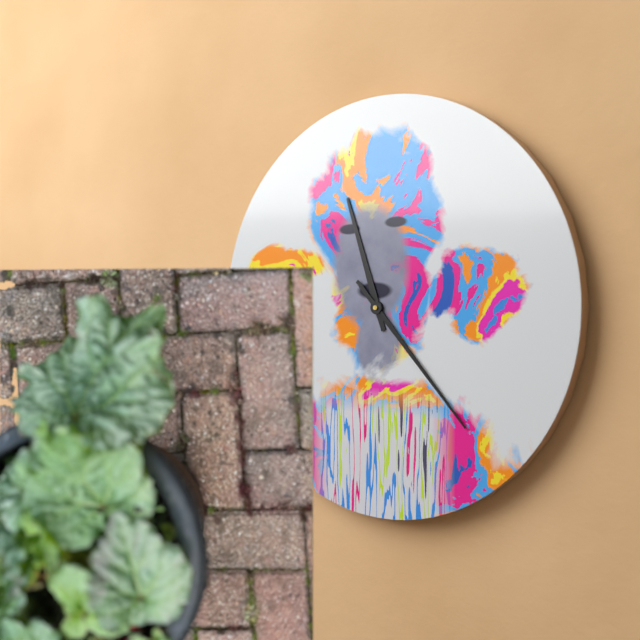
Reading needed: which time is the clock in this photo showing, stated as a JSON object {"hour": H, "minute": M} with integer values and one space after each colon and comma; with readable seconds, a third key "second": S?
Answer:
{"hour": 11, "minute": 23}
